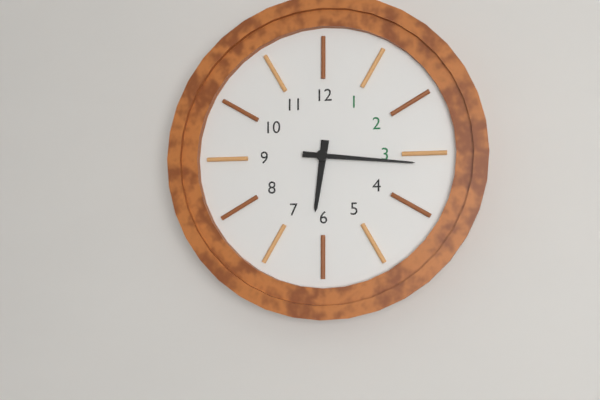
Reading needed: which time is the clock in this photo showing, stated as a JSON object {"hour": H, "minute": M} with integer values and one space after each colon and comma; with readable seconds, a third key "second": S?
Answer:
{"hour": 6, "minute": 16}
